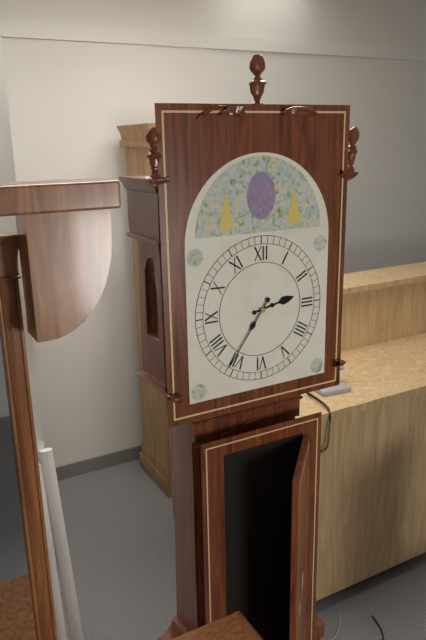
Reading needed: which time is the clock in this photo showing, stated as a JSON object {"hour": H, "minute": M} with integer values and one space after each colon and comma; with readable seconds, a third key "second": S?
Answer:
{"hour": 2, "minute": 36}
